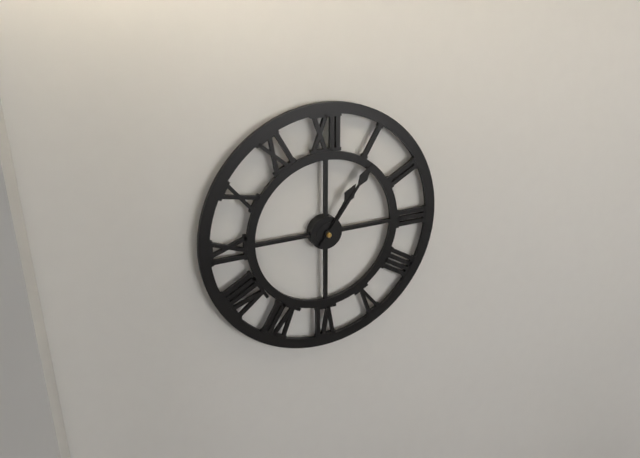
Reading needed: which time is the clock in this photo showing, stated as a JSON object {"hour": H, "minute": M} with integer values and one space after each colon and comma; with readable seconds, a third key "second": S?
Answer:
{"hour": 1, "minute": 6}
